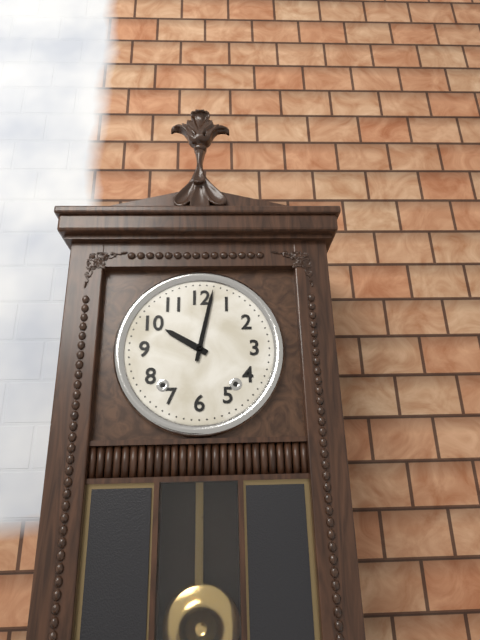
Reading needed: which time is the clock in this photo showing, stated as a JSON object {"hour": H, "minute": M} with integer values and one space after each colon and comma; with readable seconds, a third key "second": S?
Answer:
{"hour": 10, "minute": 2}
